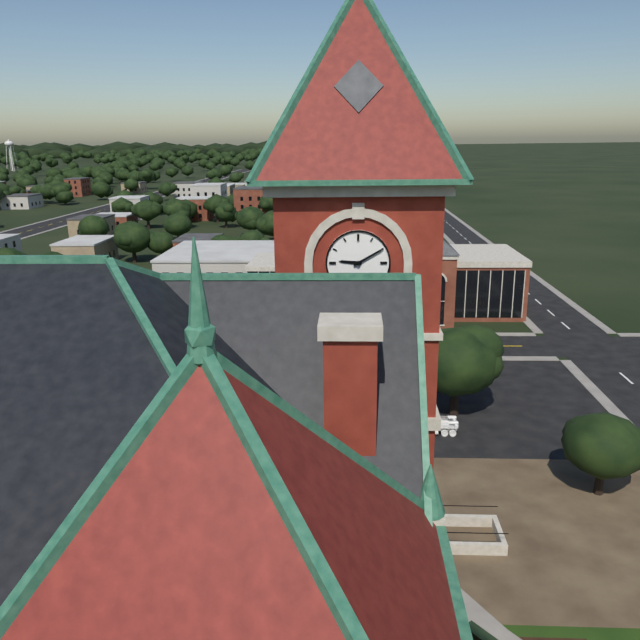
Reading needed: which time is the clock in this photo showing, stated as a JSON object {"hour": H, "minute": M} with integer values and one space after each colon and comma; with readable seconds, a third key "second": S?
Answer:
{"hour": 9, "minute": 10}
